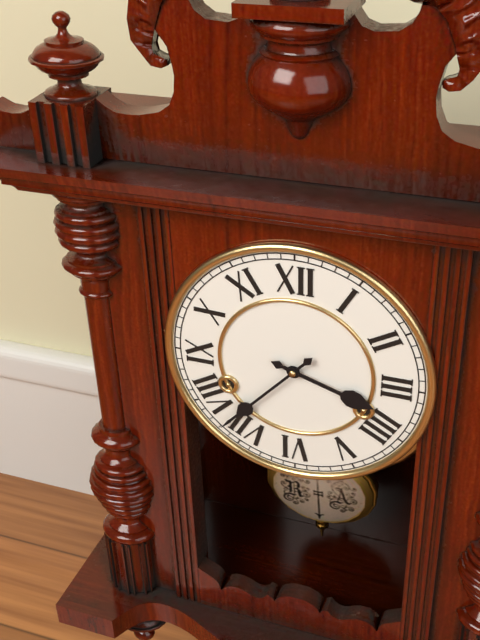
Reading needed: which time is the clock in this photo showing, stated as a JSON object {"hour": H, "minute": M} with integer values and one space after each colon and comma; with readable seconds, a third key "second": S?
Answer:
{"hour": 3, "minute": 37}
